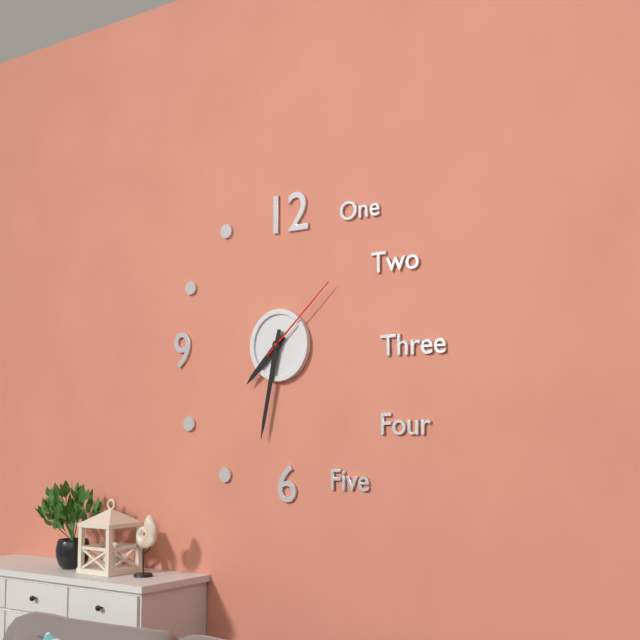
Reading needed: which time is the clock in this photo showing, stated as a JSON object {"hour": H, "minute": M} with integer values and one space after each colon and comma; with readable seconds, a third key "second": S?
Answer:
{"hour": 7, "minute": 32, "second": 8}
